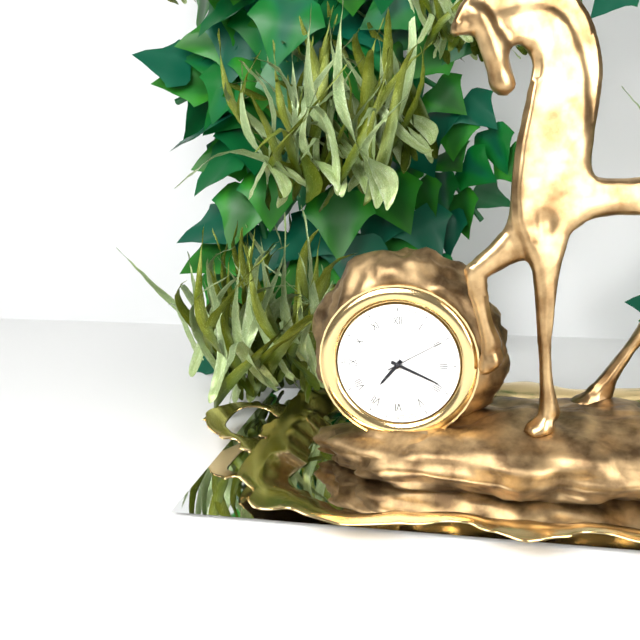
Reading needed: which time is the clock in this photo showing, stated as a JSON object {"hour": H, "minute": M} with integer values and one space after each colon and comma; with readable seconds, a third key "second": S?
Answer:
{"hour": 7, "minute": 19, "second": 10}
